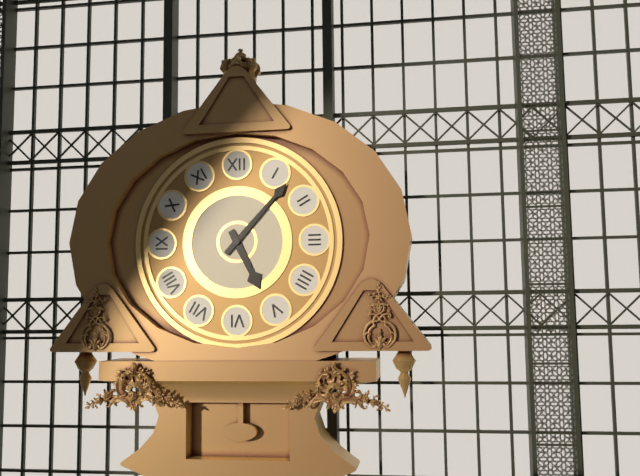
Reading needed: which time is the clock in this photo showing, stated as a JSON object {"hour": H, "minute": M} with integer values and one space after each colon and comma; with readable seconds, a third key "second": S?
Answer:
{"hour": 5, "minute": 7}
